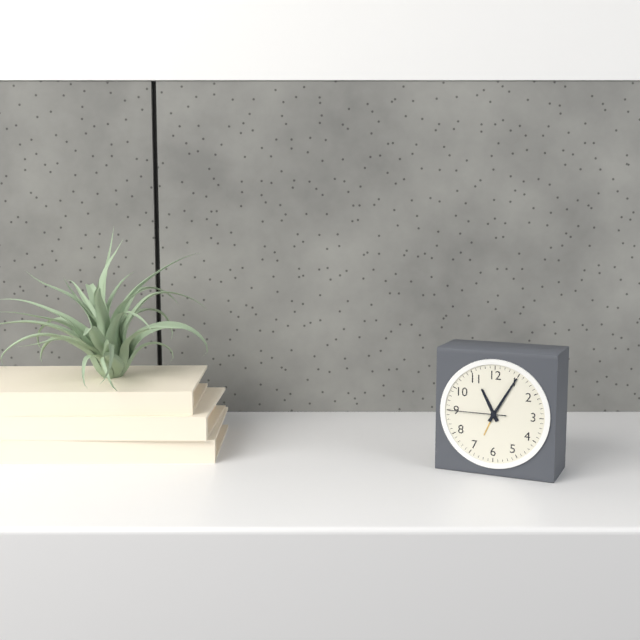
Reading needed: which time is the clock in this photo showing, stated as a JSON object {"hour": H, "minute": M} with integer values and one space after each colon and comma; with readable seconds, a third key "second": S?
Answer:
{"hour": 11, "minute": 5, "second": 45}
